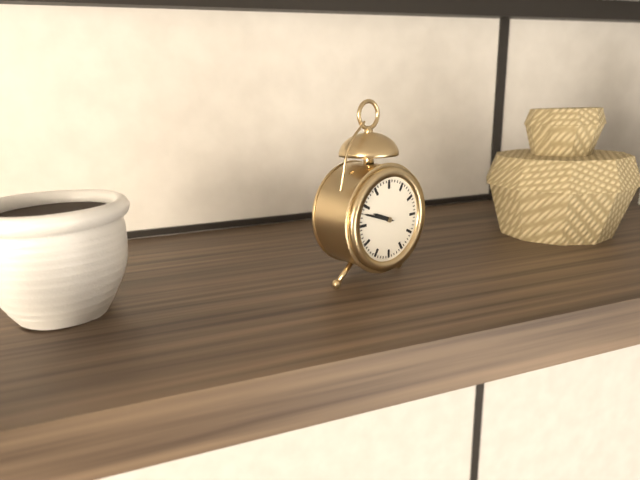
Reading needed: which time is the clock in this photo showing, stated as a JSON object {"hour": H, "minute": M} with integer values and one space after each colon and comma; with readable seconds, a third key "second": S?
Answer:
{"hour": 9, "minute": 48}
